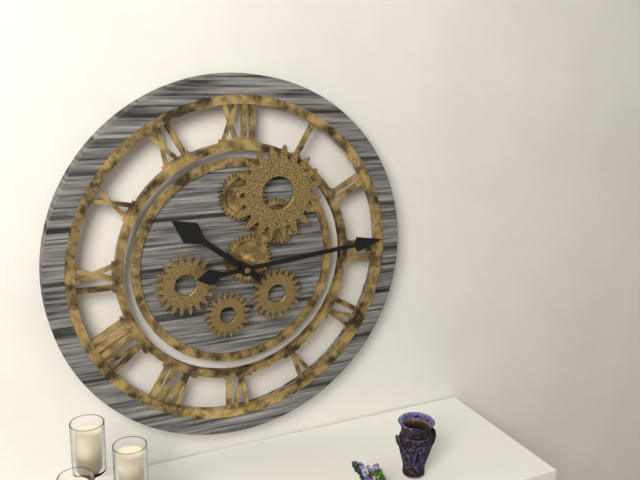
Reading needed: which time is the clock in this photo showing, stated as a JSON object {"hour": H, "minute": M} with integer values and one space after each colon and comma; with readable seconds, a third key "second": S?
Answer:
{"hour": 10, "minute": 14}
